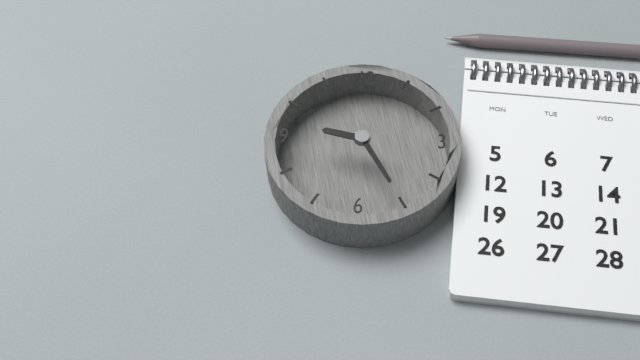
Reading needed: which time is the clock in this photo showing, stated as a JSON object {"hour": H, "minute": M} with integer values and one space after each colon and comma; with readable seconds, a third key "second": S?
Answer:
{"hour": 9, "minute": 25}
